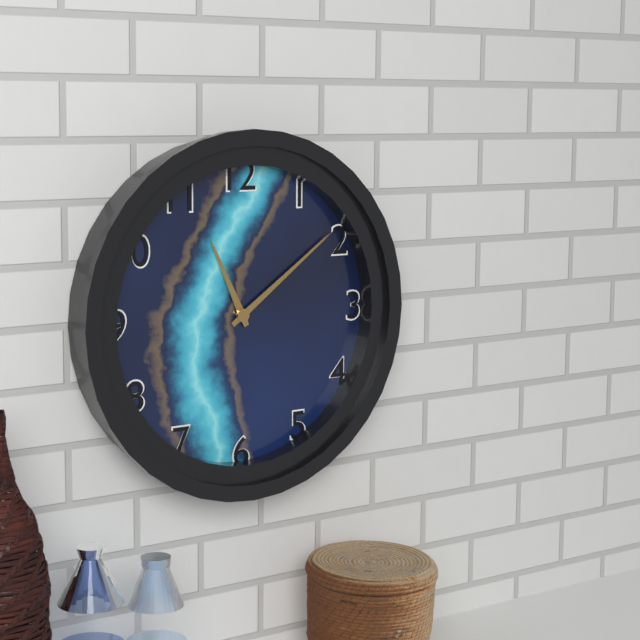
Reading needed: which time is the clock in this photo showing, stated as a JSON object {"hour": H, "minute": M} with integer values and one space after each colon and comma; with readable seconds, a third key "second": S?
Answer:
{"hour": 11, "minute": 9}
